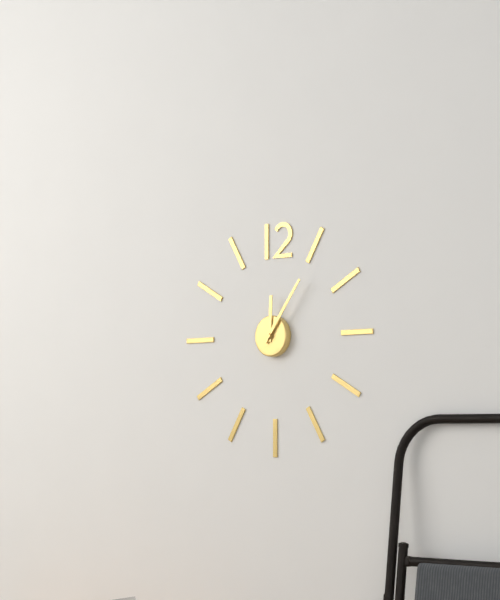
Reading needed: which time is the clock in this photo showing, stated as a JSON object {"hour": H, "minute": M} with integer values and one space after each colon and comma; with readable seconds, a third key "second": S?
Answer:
{"hour": 12, "minute": 6}
